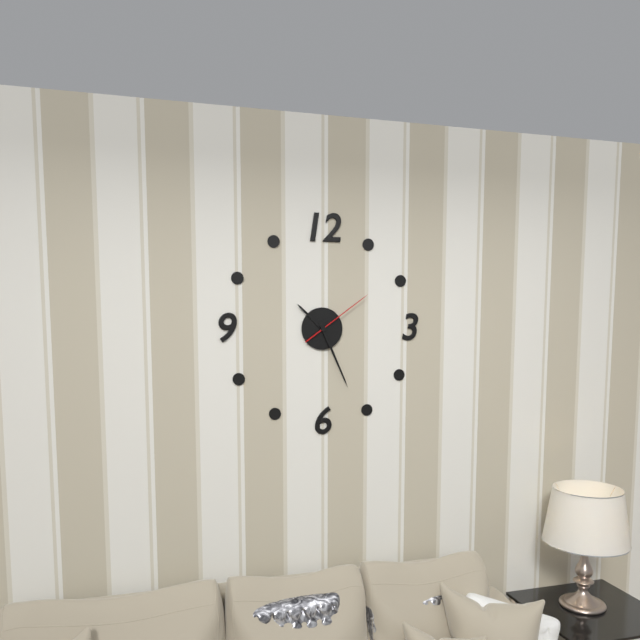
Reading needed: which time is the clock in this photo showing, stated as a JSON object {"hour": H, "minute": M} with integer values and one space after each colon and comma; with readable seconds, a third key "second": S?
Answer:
{"hour": 10, "minute": 26, "second": 9}
